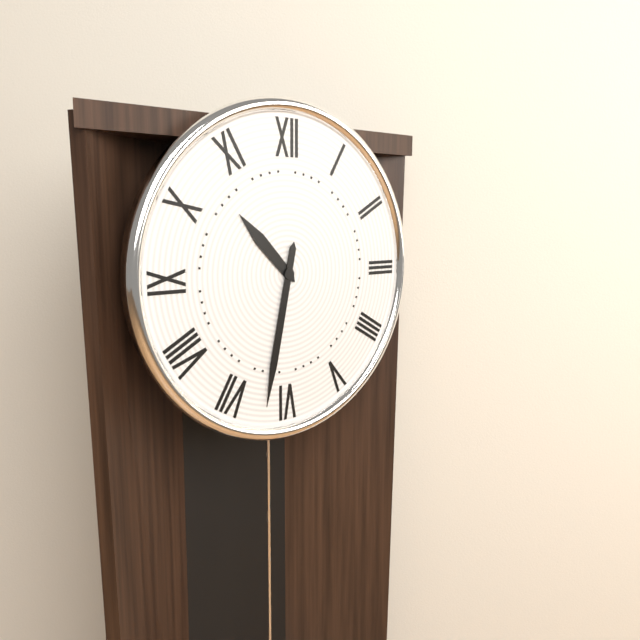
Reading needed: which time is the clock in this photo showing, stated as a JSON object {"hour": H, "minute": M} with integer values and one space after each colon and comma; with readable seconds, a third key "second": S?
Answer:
{"hour": 10, "minute": 32}
